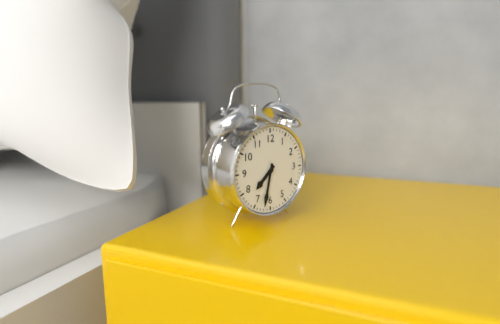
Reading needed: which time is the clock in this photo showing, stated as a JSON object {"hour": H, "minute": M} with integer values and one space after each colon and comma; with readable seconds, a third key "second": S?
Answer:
{"hour": 7, "minute": 32}
